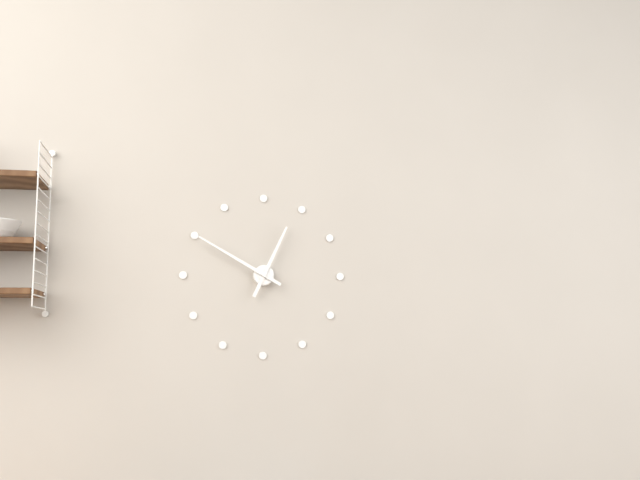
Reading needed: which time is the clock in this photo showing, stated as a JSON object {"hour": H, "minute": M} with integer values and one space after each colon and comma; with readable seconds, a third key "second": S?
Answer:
{"hour": 12, "minute": 50}
